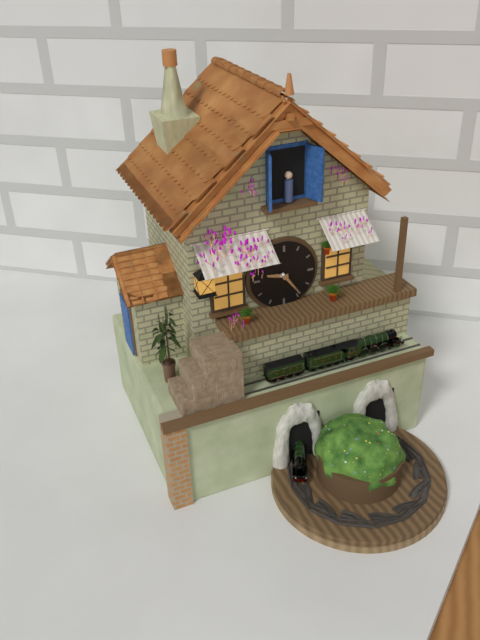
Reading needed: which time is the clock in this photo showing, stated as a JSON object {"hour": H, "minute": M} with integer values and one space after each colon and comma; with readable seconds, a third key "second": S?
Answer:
{"hour": 9, "minute": 24}
